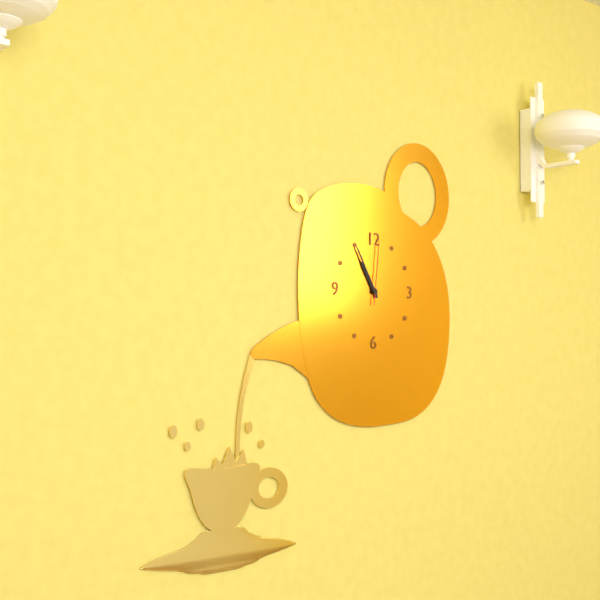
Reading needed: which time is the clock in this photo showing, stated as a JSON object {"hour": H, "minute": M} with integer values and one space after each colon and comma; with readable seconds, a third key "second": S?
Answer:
{"hour": 10, "minute": 55, "second": 1}
